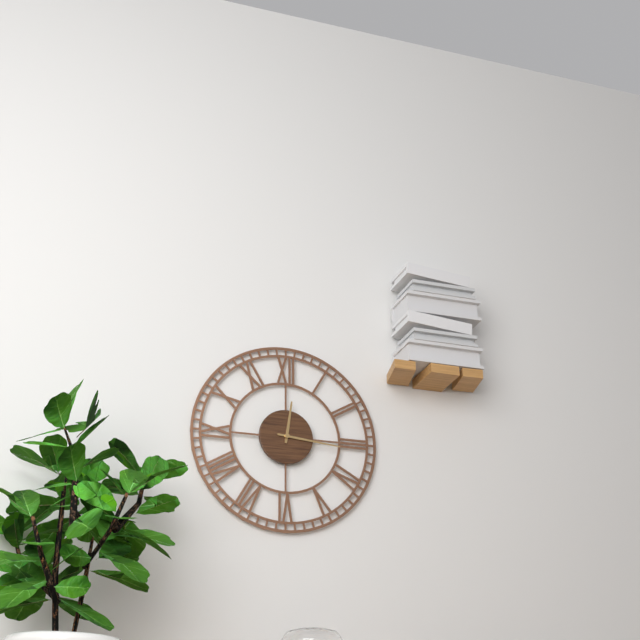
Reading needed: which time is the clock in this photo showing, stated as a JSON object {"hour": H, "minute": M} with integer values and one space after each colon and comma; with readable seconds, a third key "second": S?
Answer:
{"hour": 12, "minute": 16}
